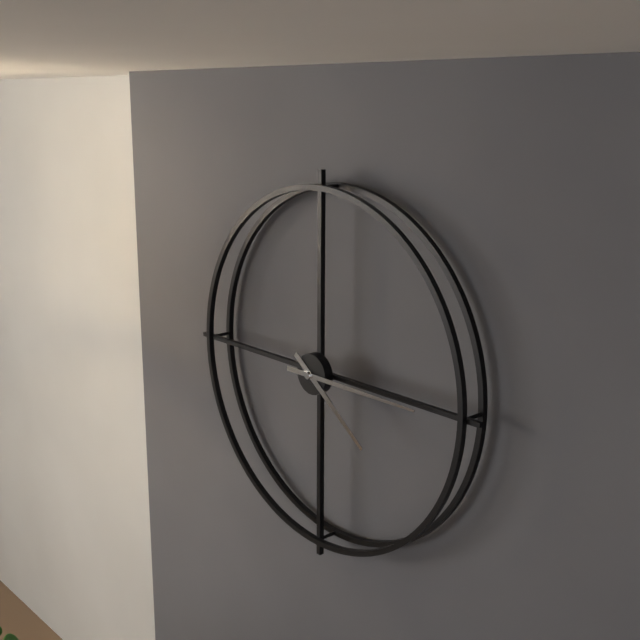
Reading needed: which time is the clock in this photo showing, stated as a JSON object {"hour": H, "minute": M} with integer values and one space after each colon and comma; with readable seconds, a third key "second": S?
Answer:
{"hour": 4, "minute": 15}
